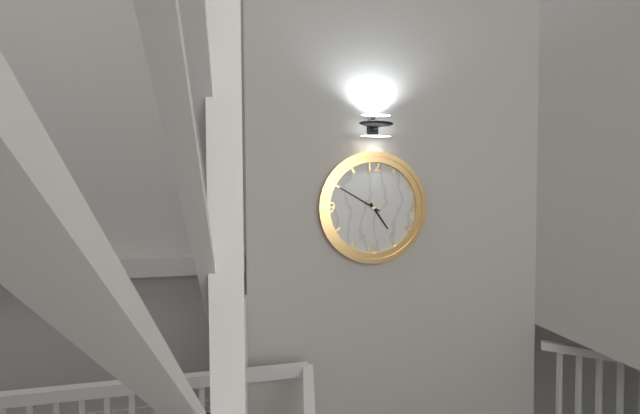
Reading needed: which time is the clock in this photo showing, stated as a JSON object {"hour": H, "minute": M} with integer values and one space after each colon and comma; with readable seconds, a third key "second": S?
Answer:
{"hour": 4, "minute": 50}
